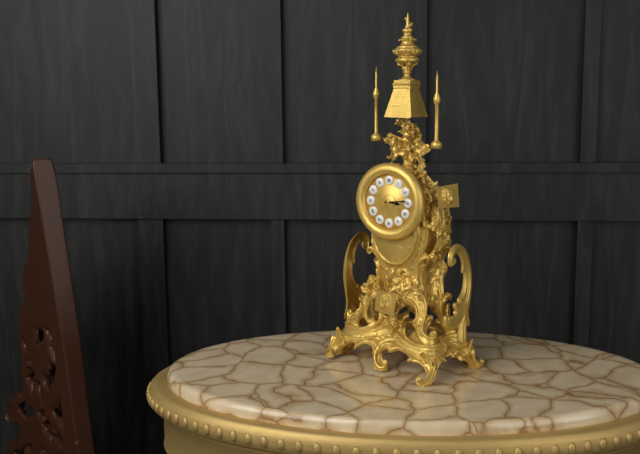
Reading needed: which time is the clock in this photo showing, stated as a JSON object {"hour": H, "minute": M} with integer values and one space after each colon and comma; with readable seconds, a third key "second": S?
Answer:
{"hour": 3, "minute": 14}
